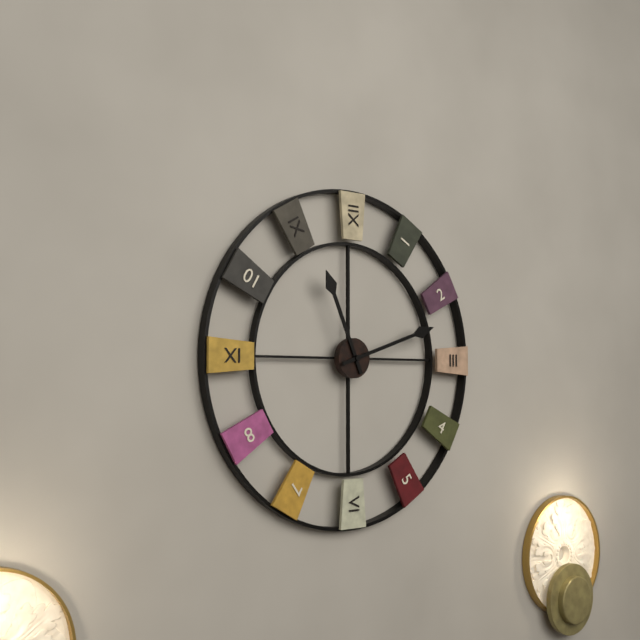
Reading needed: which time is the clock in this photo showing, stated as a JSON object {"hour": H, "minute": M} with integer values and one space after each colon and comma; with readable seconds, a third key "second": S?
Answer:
{"hour": 11, "minute": 12}
